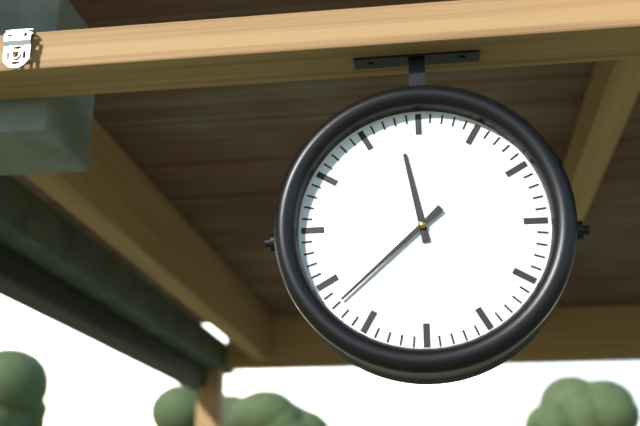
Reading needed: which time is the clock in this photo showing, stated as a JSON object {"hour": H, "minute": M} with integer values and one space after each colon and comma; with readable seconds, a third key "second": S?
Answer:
{"hour": 11, "minute": 38}
